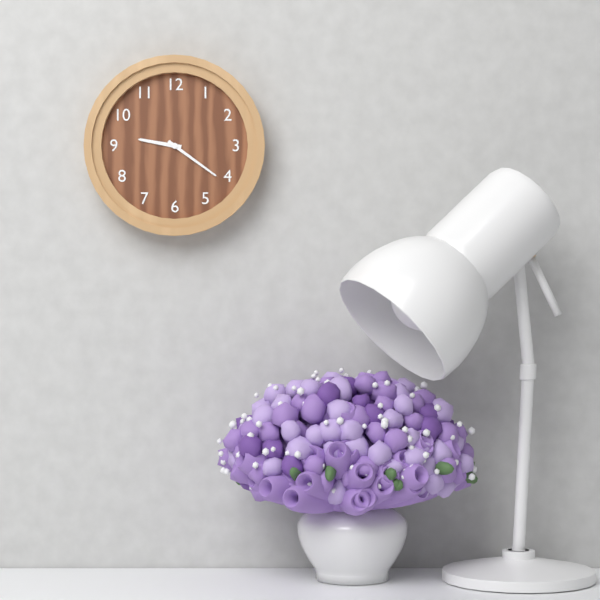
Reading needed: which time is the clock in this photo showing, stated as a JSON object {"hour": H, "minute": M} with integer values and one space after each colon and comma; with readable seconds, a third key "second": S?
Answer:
{"hour": 9, "minute": 21}
